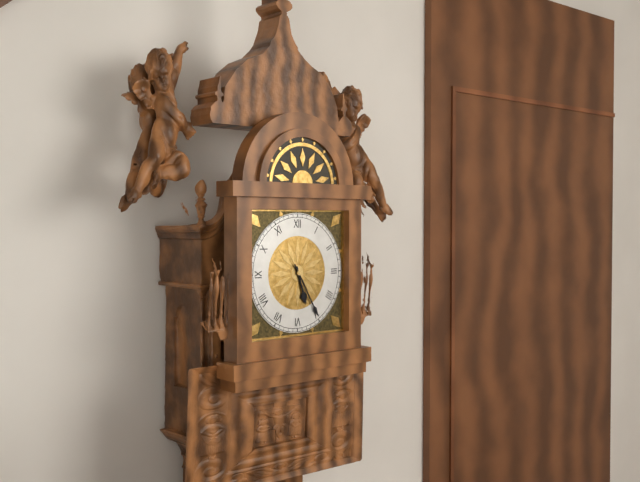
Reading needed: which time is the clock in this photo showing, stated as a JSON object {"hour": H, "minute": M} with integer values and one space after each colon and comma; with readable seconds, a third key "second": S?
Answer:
{"hour": 5, "minute": 25}
